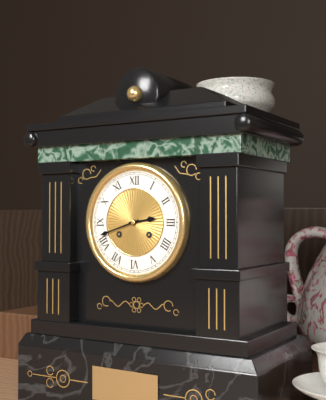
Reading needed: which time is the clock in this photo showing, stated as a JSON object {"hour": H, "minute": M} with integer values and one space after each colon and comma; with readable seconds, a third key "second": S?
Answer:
{"hour": 2, "minute": 42}
